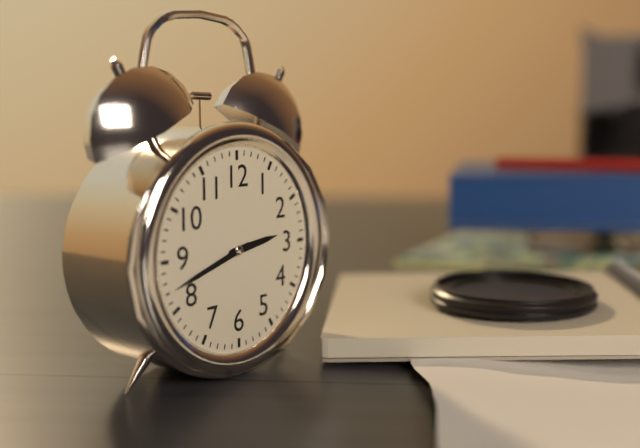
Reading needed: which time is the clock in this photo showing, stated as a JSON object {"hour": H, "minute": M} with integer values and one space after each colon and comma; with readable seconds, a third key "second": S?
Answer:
{"hour": 2, "minute": 42}
